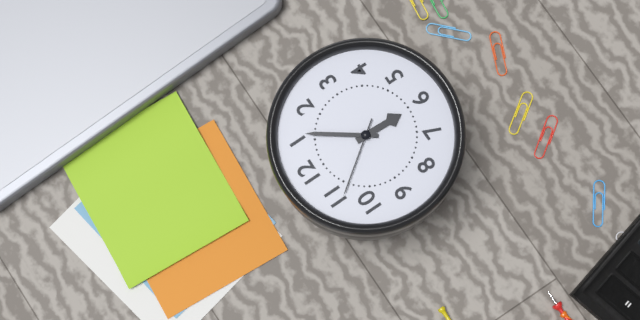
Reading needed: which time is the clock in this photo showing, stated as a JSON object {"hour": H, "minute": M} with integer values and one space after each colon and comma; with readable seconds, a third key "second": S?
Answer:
{"hour": 6, "minute": 6, "second": 54}
